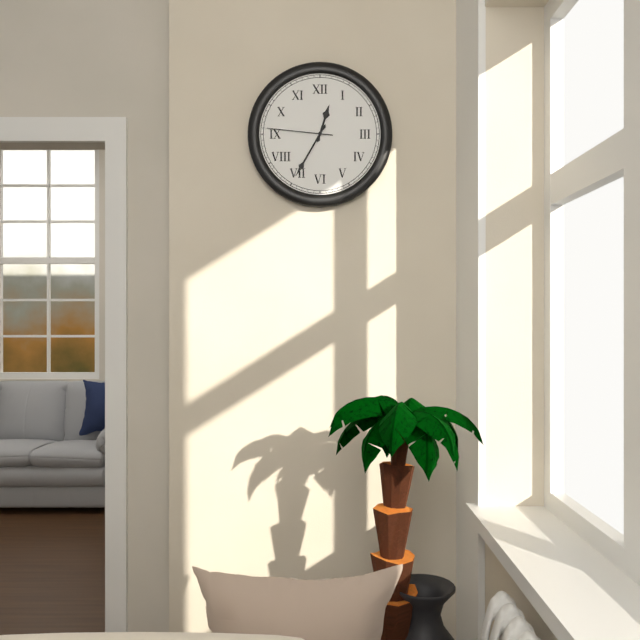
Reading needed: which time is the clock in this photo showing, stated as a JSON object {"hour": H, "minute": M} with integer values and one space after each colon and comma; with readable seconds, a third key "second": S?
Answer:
{"hour": 12, "minute": 35, "second": 46}
